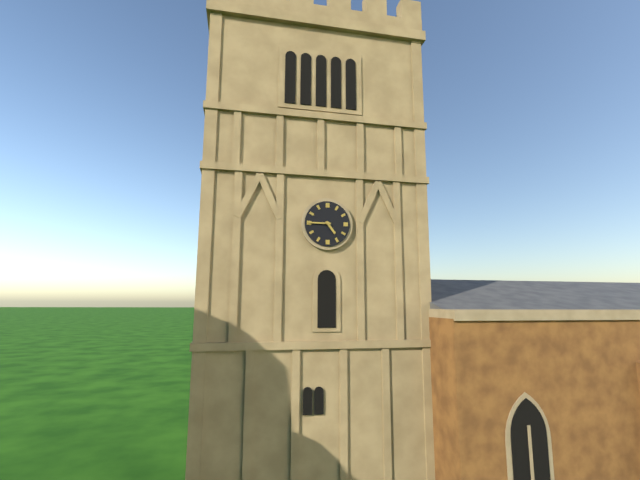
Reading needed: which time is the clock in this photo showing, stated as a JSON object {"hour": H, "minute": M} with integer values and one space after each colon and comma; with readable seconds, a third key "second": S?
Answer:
{"hour": 4, "minute": 45}
